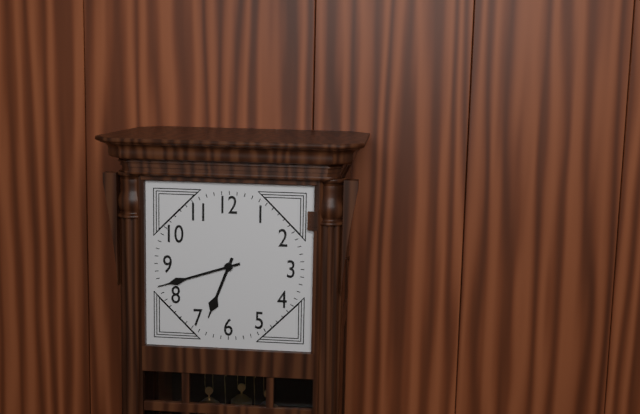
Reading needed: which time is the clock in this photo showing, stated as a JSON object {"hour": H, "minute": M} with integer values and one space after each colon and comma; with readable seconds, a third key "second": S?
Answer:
{"hour": 6, "minute": 42}
